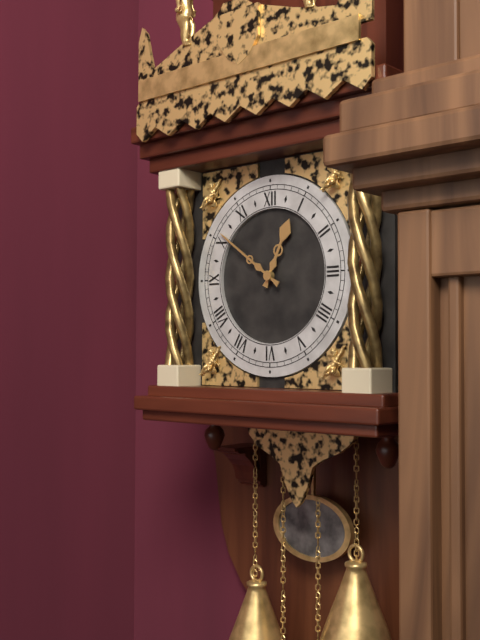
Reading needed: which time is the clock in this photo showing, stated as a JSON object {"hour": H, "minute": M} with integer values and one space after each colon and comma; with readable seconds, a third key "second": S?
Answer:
{"hour": 12, "minute": 51}
